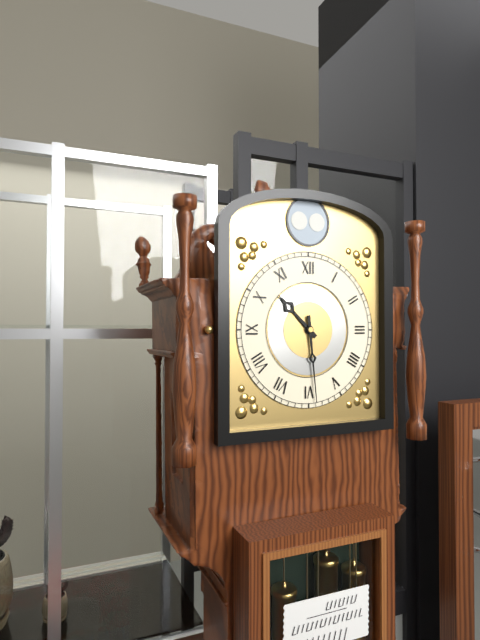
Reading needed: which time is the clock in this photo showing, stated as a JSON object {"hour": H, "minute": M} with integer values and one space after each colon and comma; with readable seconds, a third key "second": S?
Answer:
{"hour": 10, "minute": 29}
